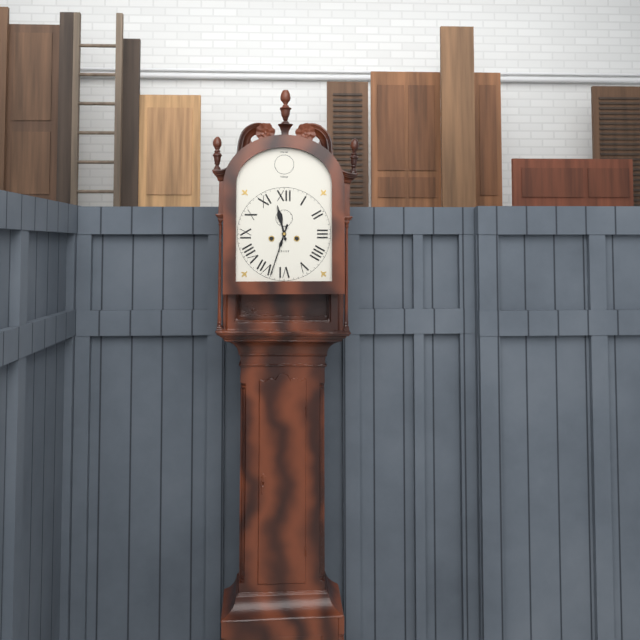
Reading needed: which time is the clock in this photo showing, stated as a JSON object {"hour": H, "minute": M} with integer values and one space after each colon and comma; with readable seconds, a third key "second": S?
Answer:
{"hour": 11, "minute": 33}
